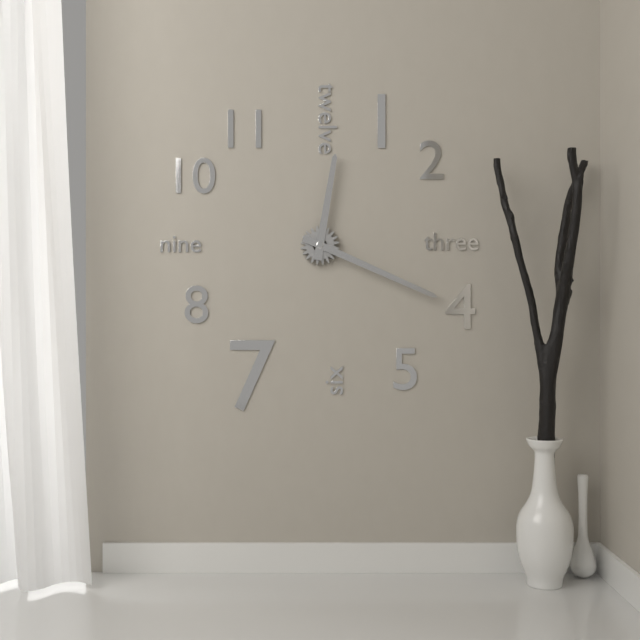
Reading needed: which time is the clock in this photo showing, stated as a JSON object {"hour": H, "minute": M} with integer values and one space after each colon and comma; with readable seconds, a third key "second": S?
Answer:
{"hour": 12, "minute": 19}
